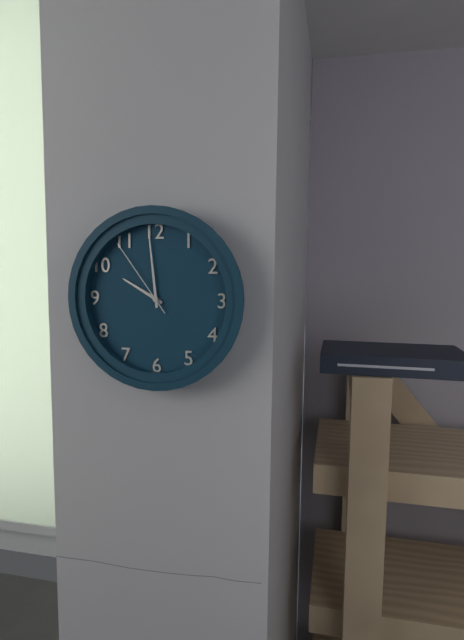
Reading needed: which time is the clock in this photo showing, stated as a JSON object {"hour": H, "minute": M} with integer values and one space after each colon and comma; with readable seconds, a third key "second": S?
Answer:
{"hour": 9, "minute": 59, "second": 54}
